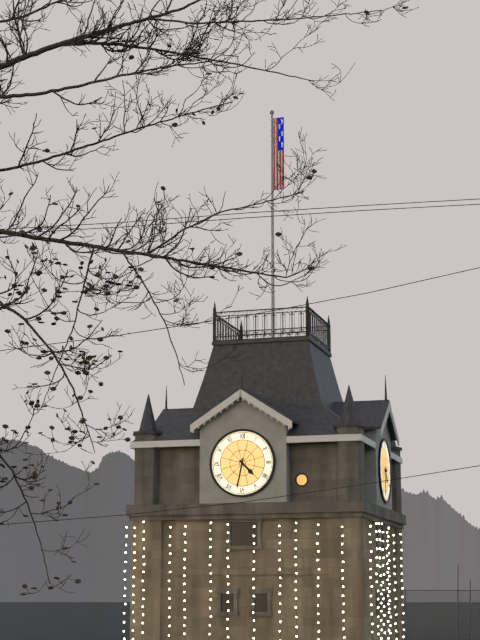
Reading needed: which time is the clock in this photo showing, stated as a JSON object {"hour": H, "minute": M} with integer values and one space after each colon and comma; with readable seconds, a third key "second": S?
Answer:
{"hour": 4, "minute": 32}
